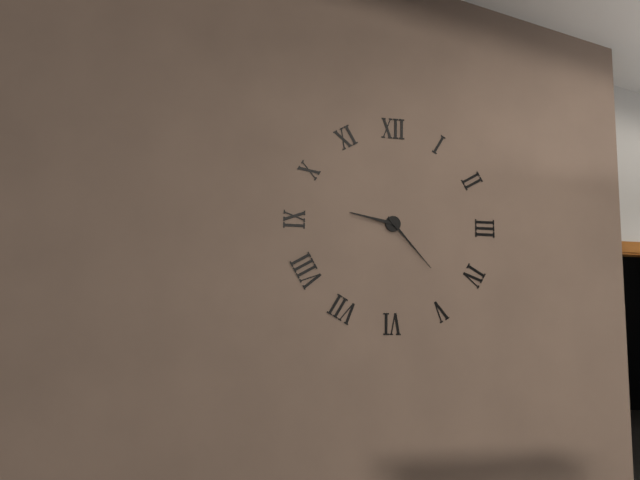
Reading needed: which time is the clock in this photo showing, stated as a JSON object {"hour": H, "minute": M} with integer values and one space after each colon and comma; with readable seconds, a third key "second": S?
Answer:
{"hour": 9, "minute": 23}
